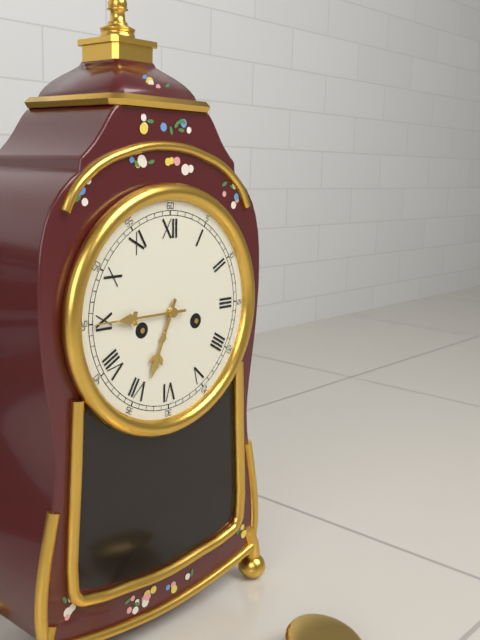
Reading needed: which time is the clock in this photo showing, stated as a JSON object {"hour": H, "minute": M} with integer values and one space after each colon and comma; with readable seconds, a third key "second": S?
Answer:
{"hour": 6, "minute": 45}
